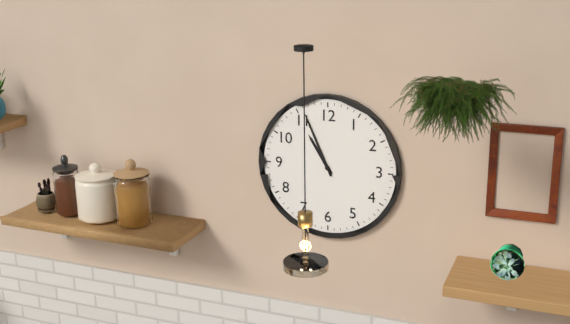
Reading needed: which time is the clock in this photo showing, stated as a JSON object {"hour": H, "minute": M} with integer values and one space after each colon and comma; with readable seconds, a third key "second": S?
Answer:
{"hour": 10, "minute": 56}
